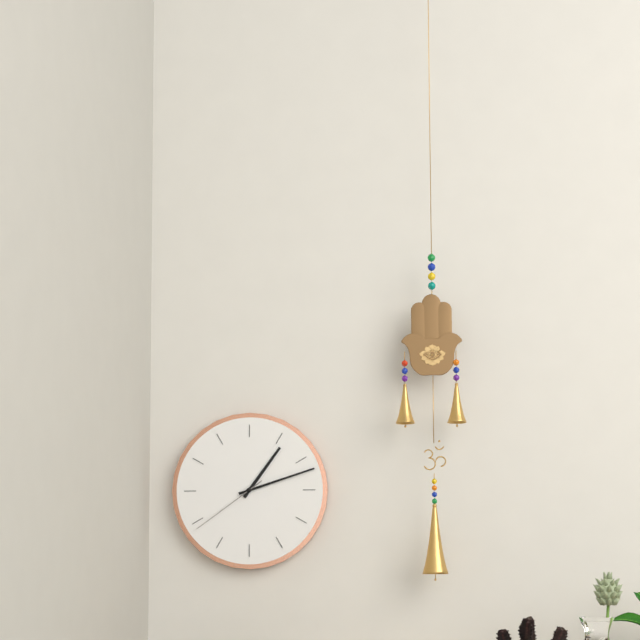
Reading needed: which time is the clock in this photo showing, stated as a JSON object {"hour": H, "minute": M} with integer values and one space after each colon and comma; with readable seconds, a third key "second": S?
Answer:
{"hour": 1, "minute": 12, "second": 39}
